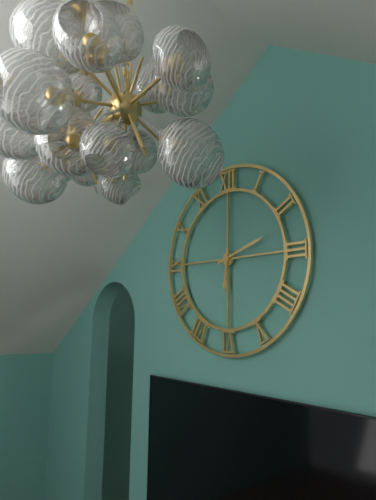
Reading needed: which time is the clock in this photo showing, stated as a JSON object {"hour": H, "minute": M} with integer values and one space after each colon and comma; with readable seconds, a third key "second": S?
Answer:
{"hour": 6, "minute": 12}
